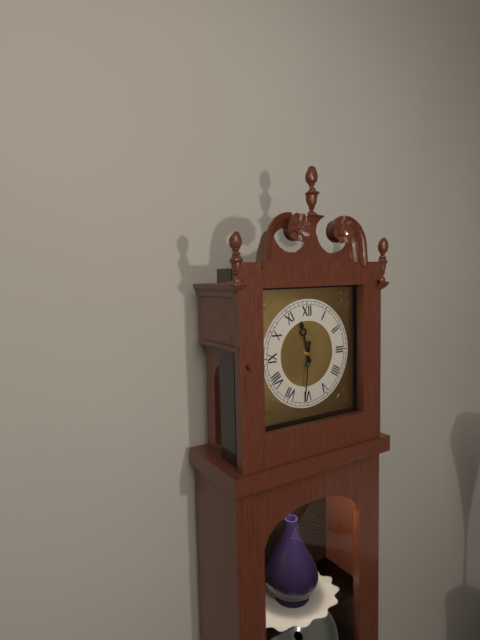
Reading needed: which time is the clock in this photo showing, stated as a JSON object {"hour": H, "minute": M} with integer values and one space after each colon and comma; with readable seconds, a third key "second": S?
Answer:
{"hour": 11, "minute": 31}
